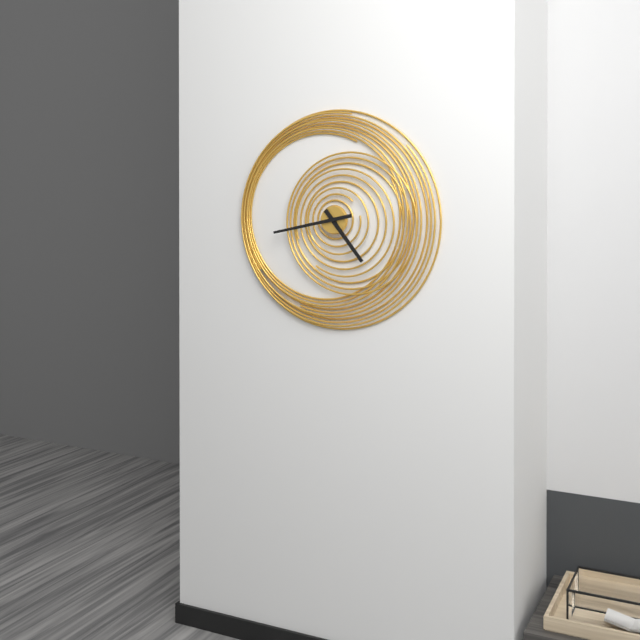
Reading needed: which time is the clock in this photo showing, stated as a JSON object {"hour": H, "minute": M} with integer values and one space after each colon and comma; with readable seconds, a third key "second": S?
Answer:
{"hour": 4, "minute": 43}
